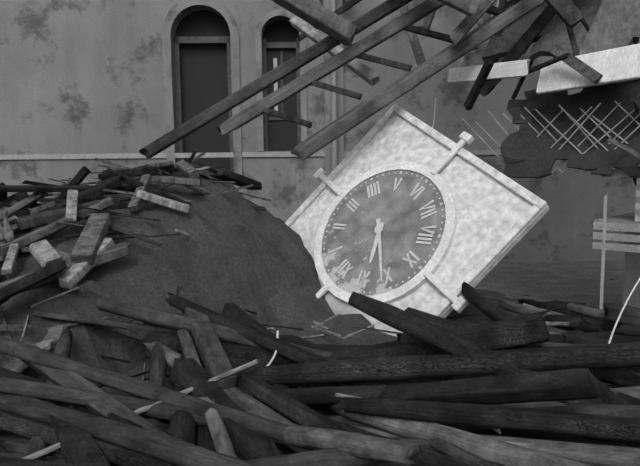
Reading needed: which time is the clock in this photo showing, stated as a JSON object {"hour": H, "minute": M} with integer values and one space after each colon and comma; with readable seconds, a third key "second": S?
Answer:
{"hour": 10, "minute": 51}
